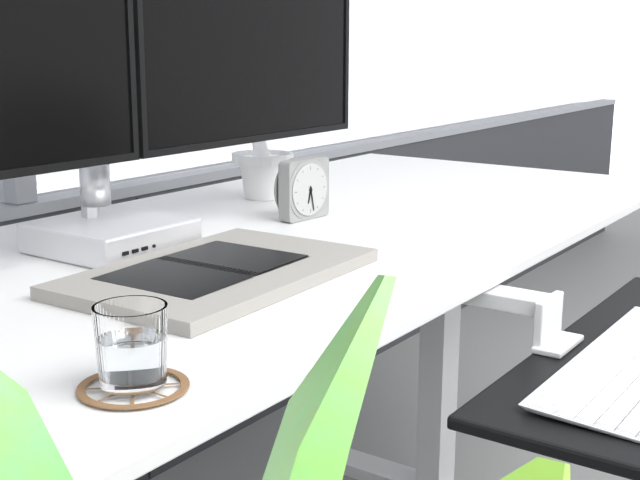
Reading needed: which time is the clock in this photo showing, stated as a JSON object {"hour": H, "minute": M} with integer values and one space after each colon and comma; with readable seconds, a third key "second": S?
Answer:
{"hour": 6, "minute": 28}
